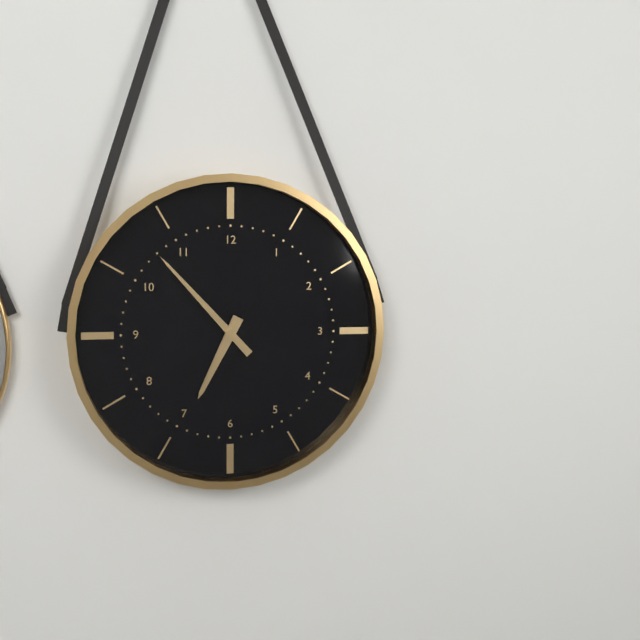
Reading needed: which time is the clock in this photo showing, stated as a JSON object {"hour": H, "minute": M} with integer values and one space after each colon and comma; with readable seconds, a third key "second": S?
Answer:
{"hour": 6, "minute": 53}
